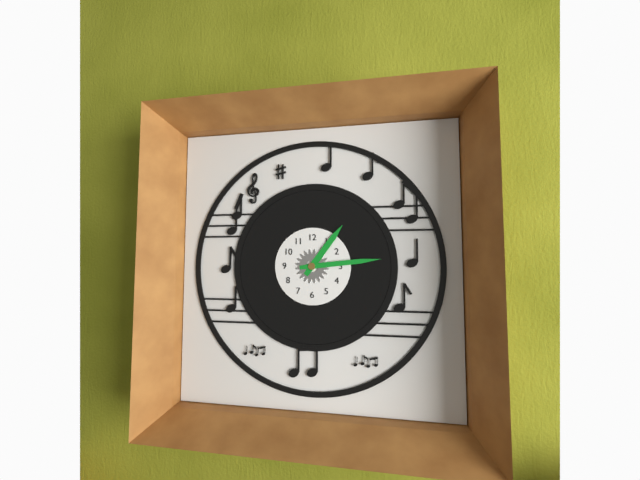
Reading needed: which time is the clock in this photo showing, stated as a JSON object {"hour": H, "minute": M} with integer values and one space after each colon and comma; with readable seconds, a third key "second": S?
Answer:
{"hour": 1, "minute": 14}
